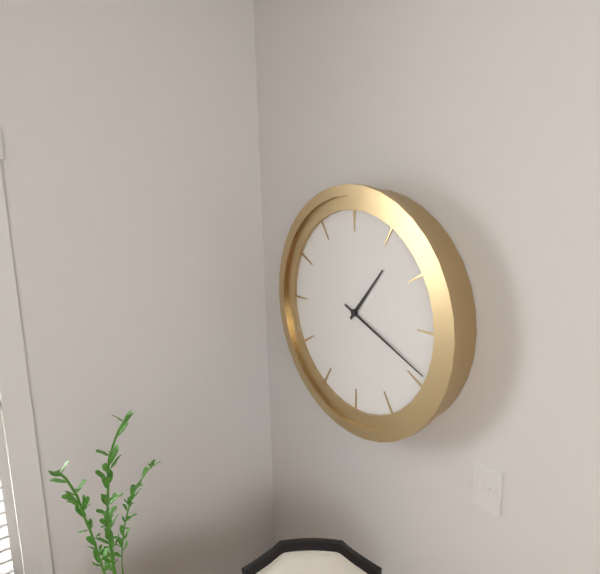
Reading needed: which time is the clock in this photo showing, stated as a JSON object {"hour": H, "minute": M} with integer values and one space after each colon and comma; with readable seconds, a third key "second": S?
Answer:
{"hour": 1, "minute": 19}
